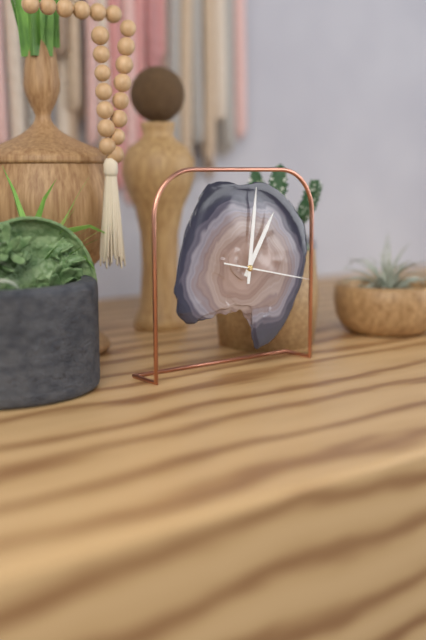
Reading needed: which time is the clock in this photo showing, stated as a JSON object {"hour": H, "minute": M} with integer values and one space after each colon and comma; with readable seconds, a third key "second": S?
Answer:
{"hour": 1, "minute": 1, "second": 17}
